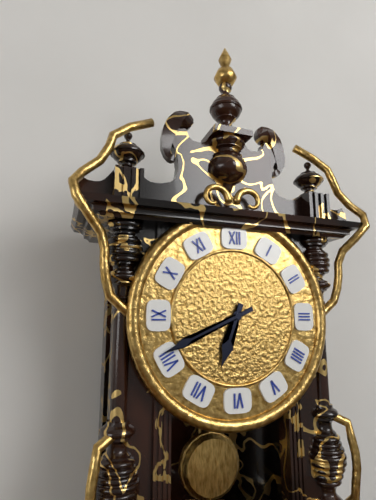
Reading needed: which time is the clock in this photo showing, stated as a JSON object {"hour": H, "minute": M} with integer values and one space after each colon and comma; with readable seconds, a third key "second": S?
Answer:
{"hour": 6, "minute": 41}
